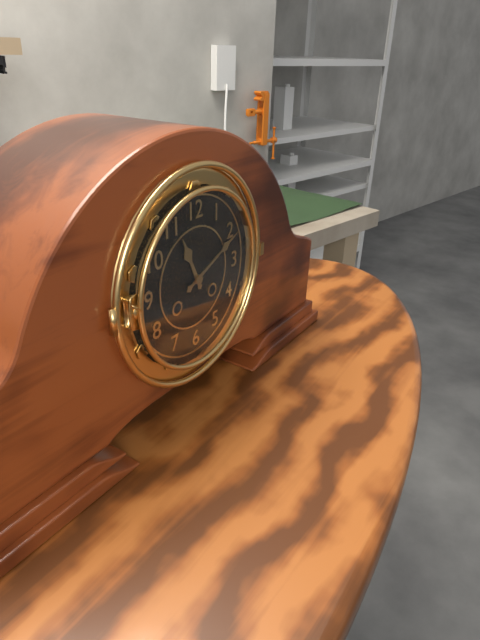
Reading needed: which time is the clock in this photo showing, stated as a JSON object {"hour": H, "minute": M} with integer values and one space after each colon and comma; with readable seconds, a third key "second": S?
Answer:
{"hour": 11, "minute": 11}
